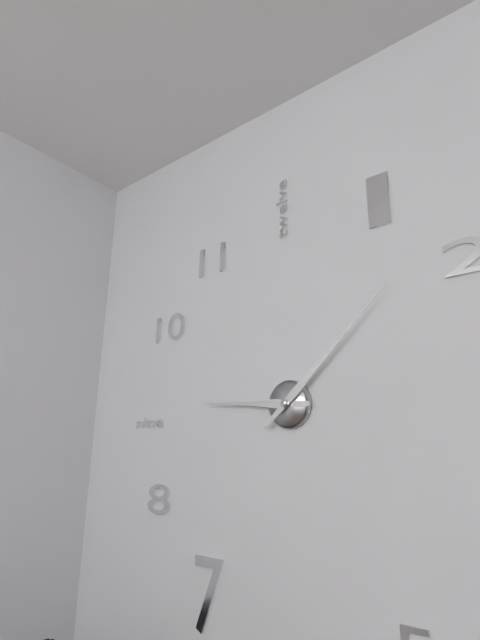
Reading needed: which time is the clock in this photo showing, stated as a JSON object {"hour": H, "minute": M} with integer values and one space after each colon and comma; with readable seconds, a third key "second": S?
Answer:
{"hour": 9, "minute": 8}
